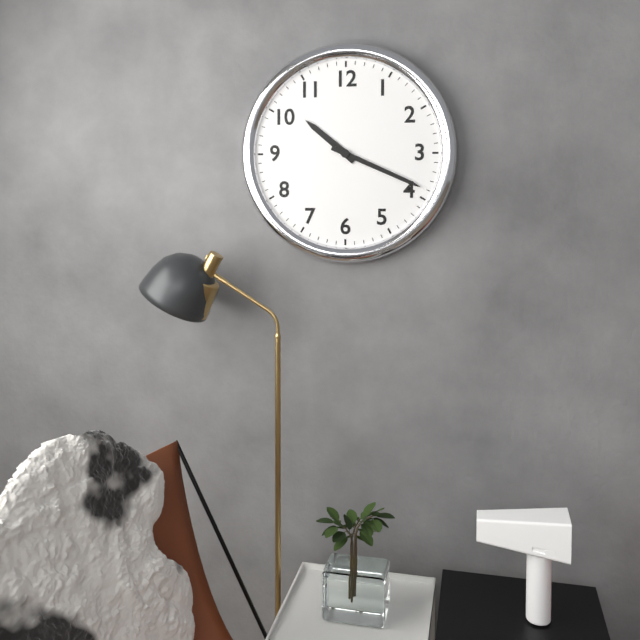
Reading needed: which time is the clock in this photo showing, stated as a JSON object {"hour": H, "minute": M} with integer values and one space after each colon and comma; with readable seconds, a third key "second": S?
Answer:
{"hour": 10, "minute": 19}
